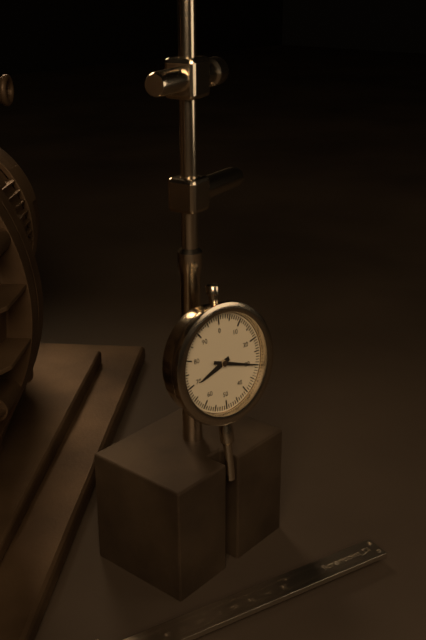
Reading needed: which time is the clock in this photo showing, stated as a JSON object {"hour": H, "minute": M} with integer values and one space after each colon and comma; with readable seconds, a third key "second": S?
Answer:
{"hour": 8, "minute": 18}
